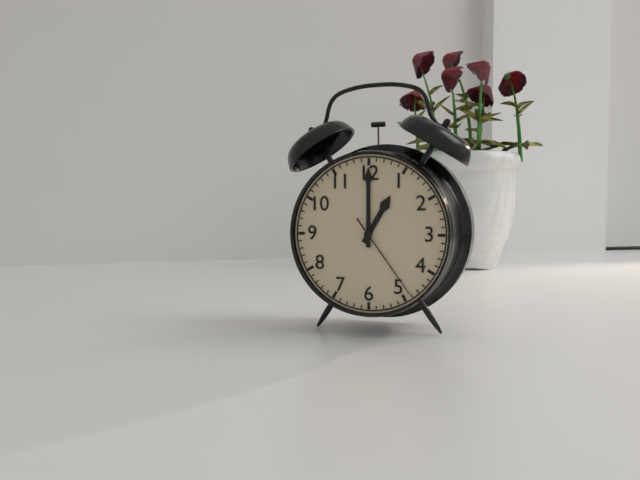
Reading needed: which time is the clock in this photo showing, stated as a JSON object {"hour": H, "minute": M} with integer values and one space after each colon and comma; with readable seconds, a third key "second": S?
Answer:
{"hour": 1, "minute": 0, "second": 24}
